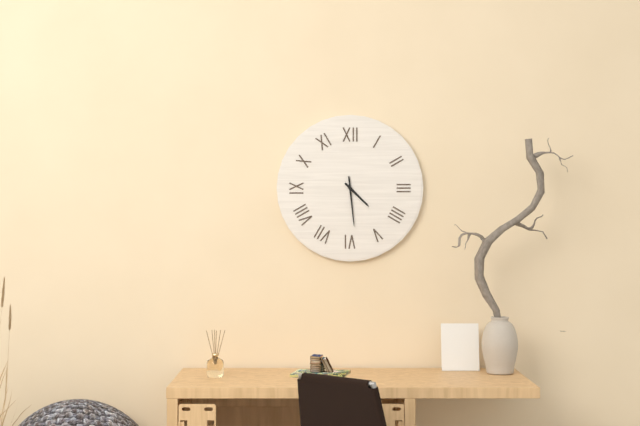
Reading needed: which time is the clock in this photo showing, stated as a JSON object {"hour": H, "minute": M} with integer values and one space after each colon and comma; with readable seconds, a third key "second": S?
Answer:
{"hour": 4, "minute": 29}
